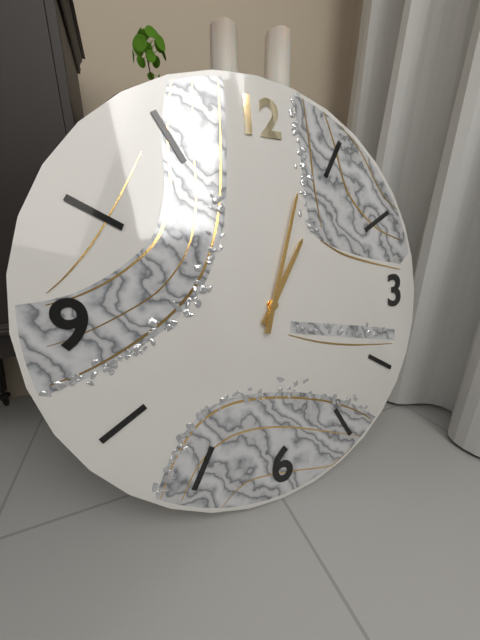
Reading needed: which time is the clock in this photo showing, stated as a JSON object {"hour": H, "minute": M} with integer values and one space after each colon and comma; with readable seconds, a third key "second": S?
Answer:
{"hour": 1, "minute": 3}
